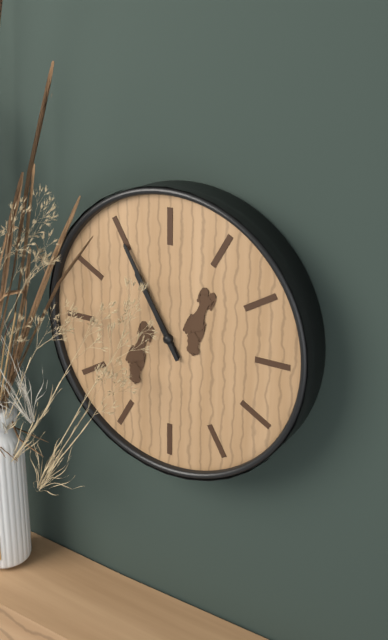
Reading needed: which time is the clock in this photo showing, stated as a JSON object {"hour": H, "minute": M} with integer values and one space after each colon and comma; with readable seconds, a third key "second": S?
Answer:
{"hour": 10, "minute": 55}
